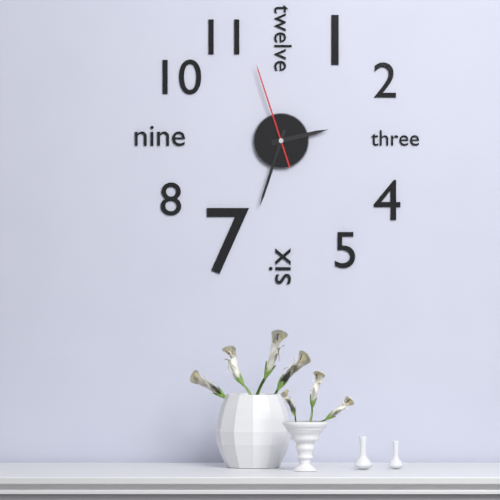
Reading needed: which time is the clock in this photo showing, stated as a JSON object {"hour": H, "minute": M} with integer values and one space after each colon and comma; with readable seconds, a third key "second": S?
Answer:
{"hour": 2, "minute": 33, "second": 57}
